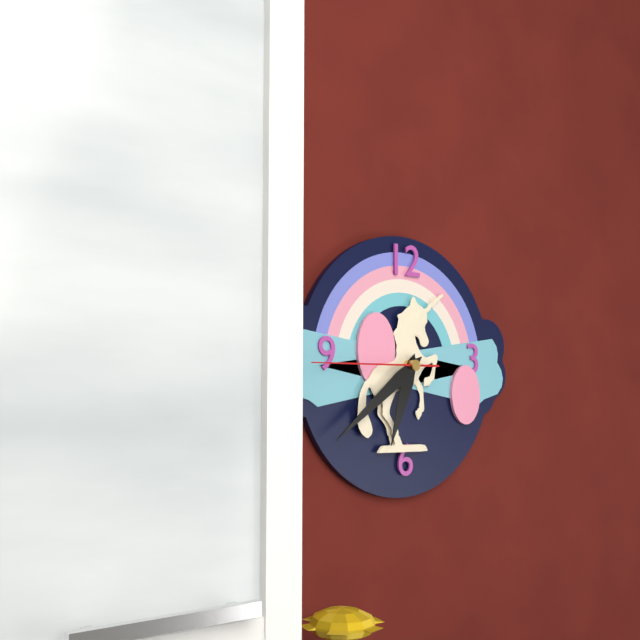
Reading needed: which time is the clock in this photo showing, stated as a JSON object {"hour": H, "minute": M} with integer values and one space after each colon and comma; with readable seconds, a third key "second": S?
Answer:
{"hour": 6, "minute": 39, "second": 45}
